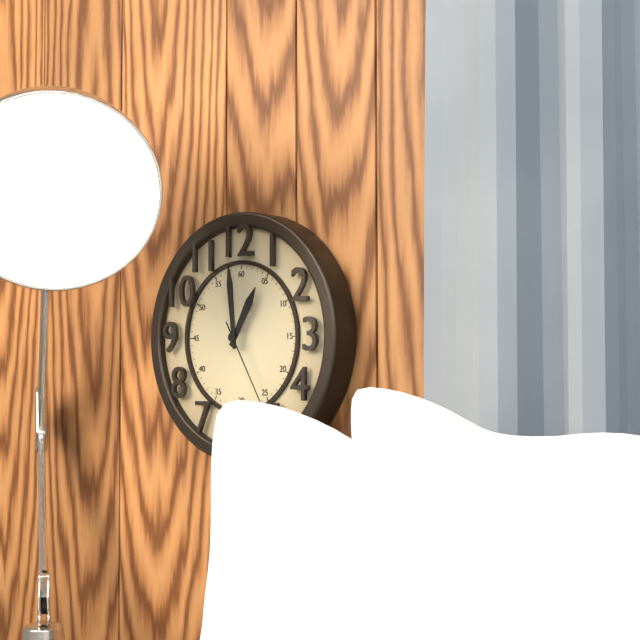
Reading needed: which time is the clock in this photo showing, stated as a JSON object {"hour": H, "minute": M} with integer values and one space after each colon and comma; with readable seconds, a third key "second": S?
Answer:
{"hour": 12, "minute": 59, "second": 25}
